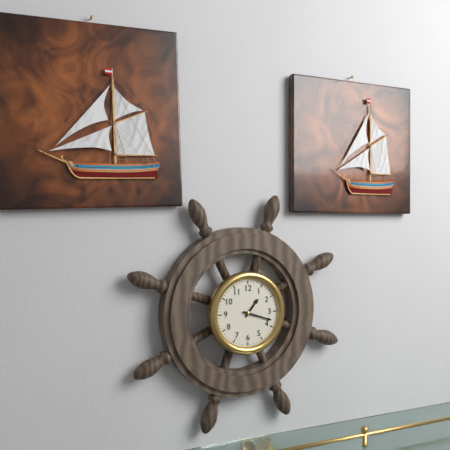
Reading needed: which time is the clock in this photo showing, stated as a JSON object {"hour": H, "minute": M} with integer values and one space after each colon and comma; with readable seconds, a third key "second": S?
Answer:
{"hour": 1, "minute": 18}
